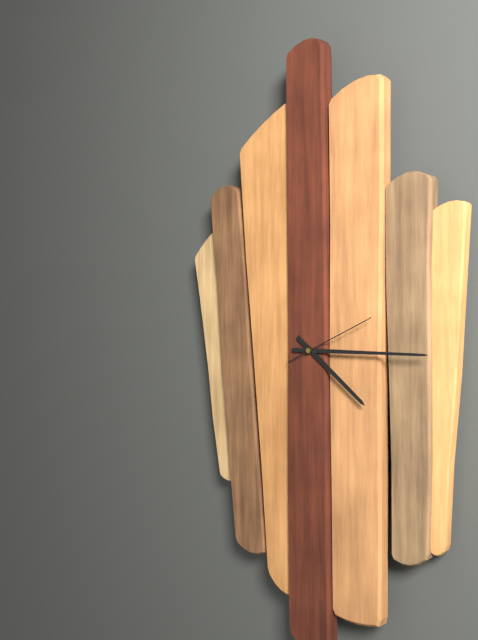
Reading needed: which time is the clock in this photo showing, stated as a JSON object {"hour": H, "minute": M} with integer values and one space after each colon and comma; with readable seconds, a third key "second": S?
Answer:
{"hour": 4, "minute": 15, "second": 11}
